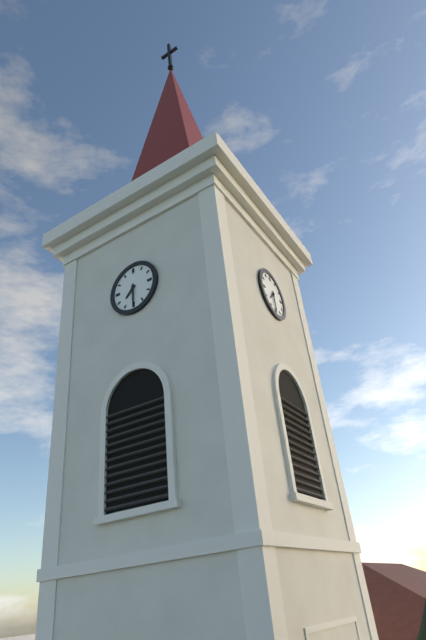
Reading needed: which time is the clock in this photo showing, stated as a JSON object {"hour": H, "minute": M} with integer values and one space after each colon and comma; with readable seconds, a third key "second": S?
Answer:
{"hour": 7, "minute": 30}
